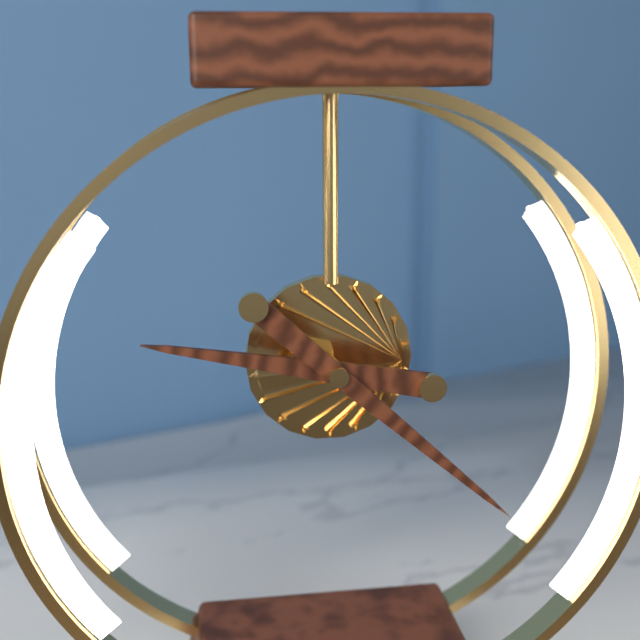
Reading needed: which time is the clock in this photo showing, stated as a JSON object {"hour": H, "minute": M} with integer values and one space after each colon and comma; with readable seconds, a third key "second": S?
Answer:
{"hour": 9, "minute": 22}
